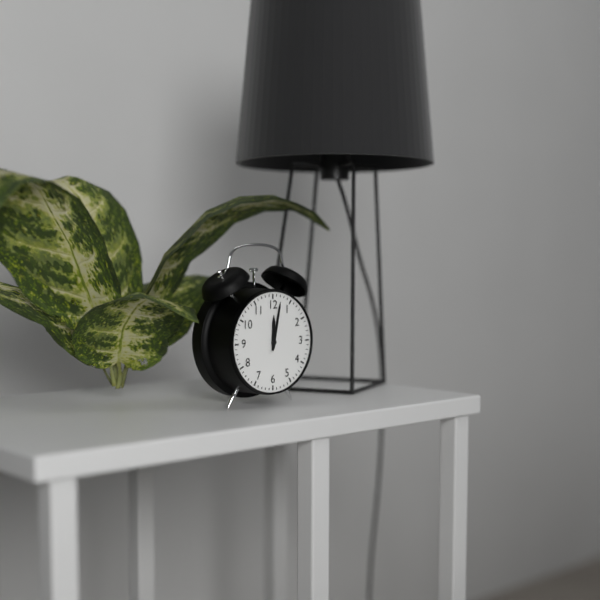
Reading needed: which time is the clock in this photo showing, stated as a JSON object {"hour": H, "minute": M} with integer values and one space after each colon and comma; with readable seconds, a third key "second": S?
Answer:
{"hour": 12, "minute": 2}
